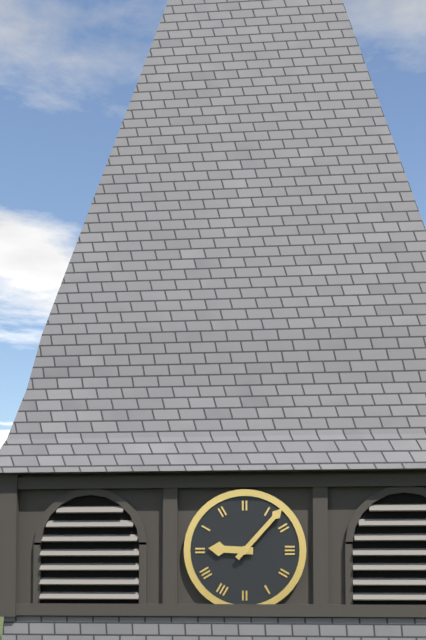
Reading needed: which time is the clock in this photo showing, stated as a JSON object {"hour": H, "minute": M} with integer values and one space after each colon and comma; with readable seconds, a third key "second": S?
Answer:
{"hour": 9, "minute": 7}
